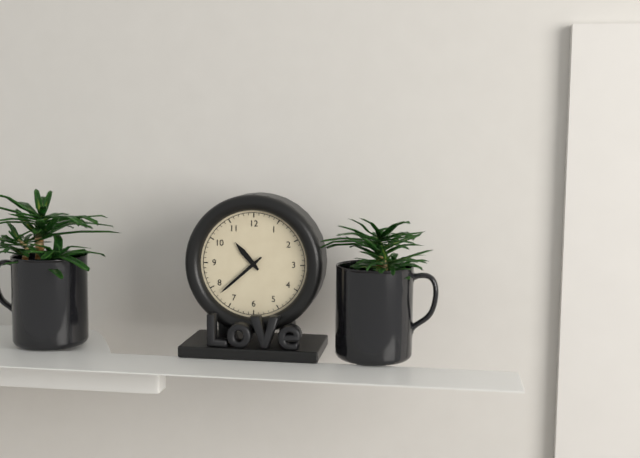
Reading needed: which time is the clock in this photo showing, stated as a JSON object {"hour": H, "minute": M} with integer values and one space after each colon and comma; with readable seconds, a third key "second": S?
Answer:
{"hour": 10, "minute": 38}
